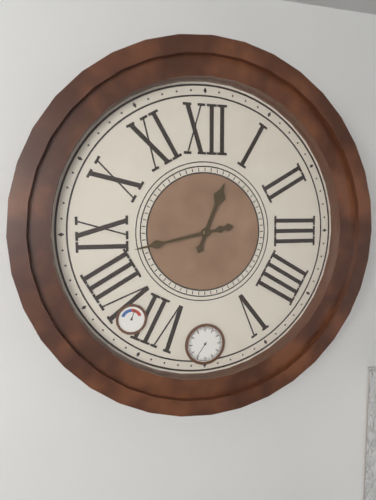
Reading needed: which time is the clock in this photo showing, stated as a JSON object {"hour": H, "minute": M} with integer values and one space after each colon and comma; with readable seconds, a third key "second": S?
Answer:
{"hour": 12, "minute": 43}
